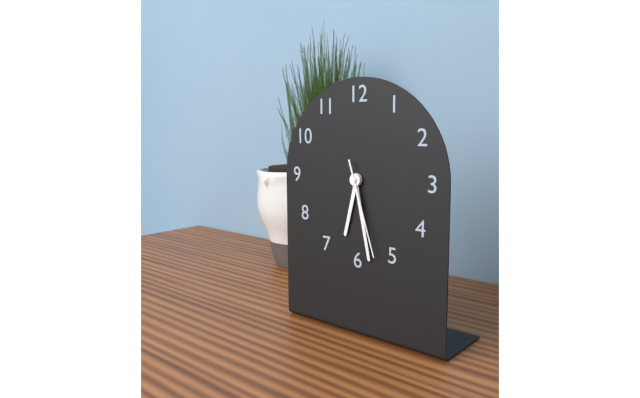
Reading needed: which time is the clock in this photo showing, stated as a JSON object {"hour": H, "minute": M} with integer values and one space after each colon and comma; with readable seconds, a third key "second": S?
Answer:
{"hour": 6, "minute": 28, "second": 27}
